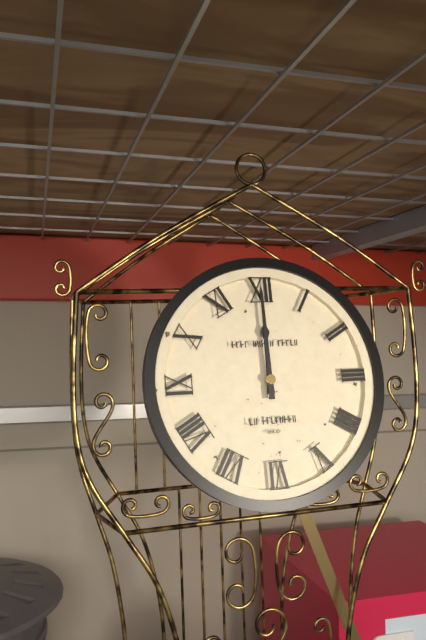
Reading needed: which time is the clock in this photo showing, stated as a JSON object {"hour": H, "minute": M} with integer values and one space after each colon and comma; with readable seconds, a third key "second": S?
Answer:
{"hour": 12, "minute": 0}
